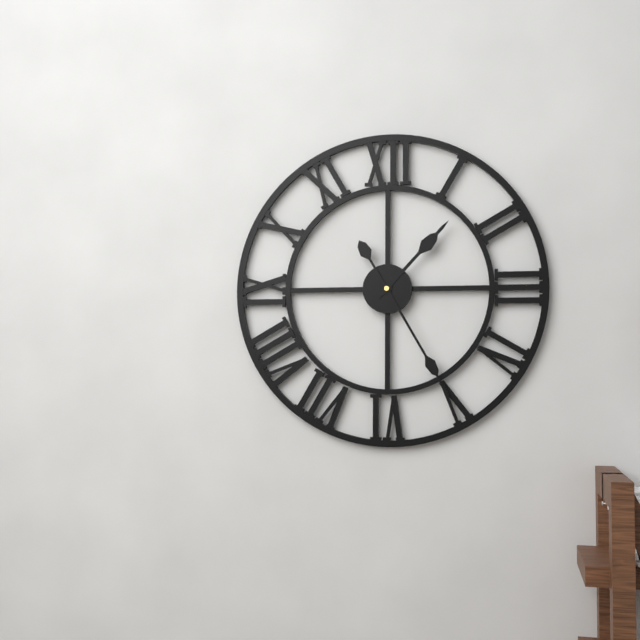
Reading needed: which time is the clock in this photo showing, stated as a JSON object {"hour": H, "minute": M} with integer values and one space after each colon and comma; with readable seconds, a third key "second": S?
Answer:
{"hour": 1, "minute": 25}
